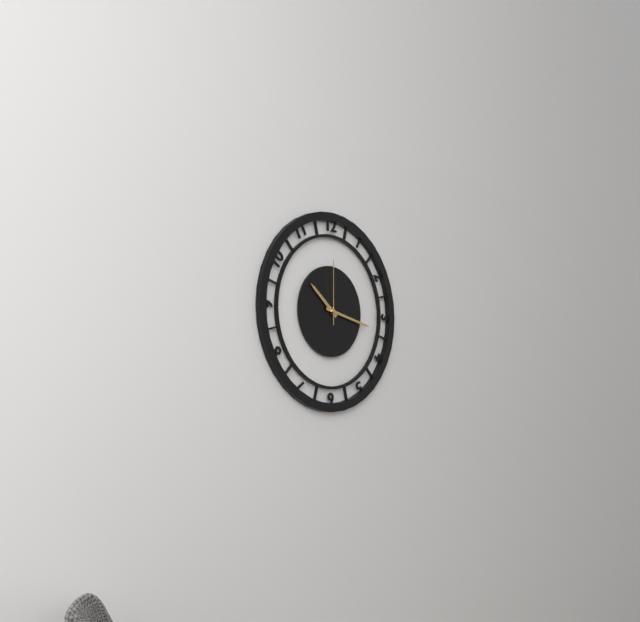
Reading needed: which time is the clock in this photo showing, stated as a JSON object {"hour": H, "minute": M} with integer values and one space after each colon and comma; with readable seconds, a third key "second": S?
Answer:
{"hour": 10, "minute": 17, "second": 0}
